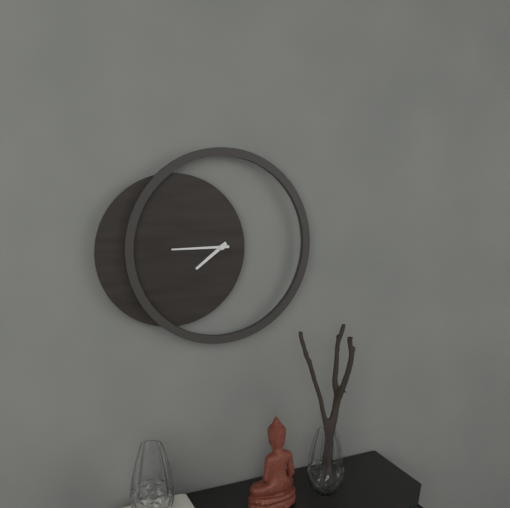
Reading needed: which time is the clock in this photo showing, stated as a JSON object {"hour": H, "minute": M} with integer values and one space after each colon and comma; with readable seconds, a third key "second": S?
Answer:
{"hour": 7, "minute": 45}
